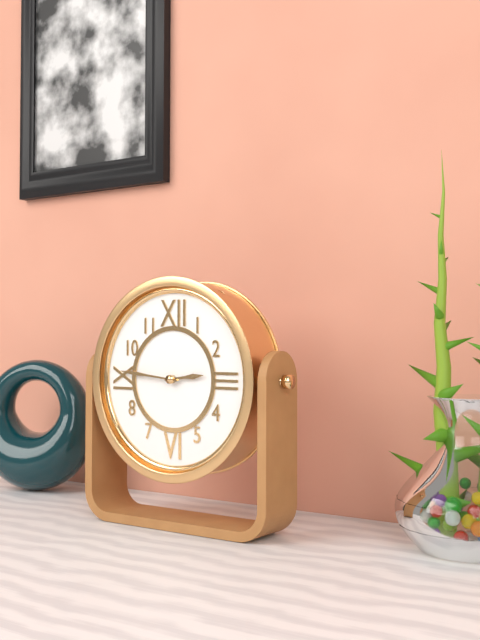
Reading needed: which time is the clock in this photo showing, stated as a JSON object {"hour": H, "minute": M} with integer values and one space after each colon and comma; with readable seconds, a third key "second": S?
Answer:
{"hour": 2, "minute": 46}
